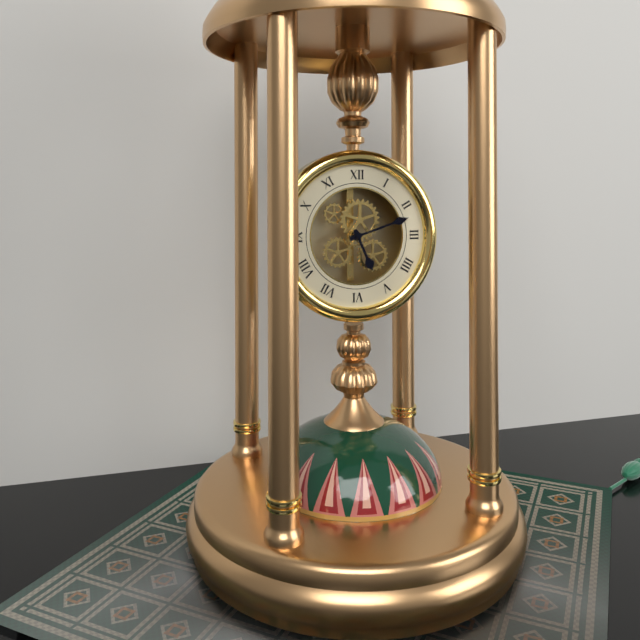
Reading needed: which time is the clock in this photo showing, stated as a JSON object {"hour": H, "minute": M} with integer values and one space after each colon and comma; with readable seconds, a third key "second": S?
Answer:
{"hour": 5, "minute": 12}
